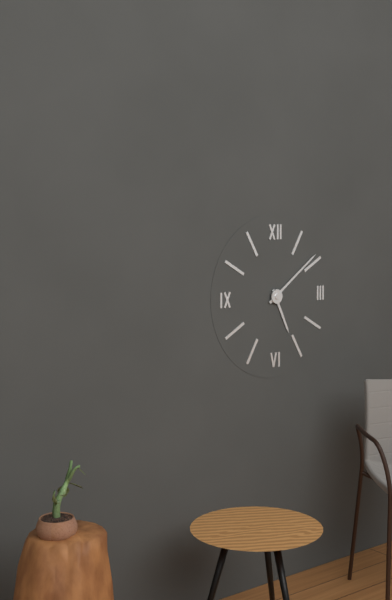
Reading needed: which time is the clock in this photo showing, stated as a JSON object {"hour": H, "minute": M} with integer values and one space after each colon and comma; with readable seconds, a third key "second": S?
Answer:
{"hour": 5, "minute": 9}
